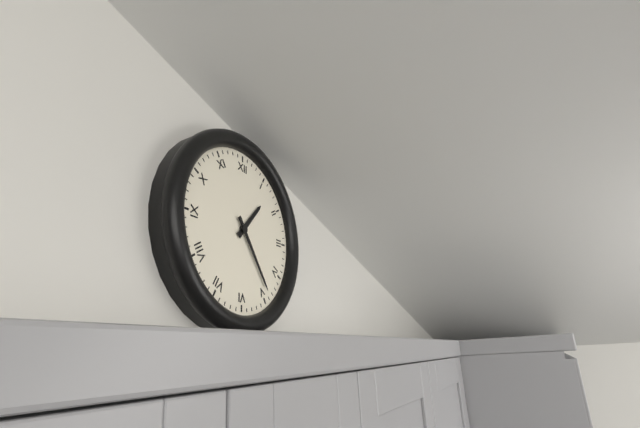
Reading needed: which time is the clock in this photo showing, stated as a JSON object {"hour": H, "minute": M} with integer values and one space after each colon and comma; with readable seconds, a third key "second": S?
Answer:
{"hour": 1, "minute": 24}
